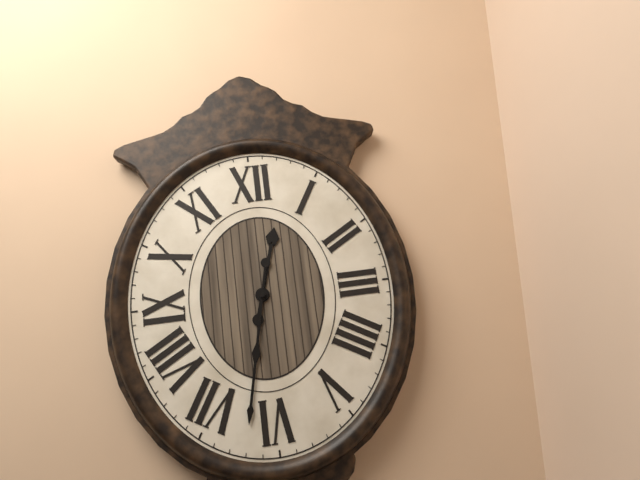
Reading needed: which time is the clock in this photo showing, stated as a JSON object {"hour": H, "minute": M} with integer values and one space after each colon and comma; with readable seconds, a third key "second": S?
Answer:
{"hour": 12, "minute": 32}
